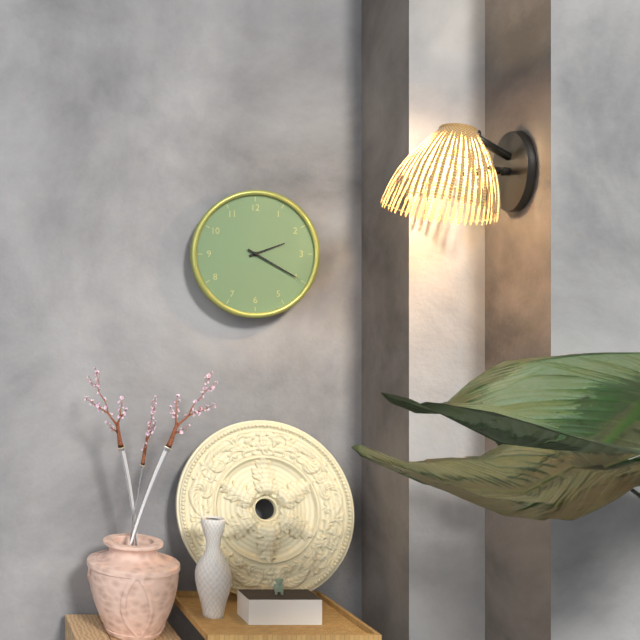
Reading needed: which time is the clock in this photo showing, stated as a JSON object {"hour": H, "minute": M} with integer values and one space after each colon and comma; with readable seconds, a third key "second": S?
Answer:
{"hour": 2, "minute": 20}
